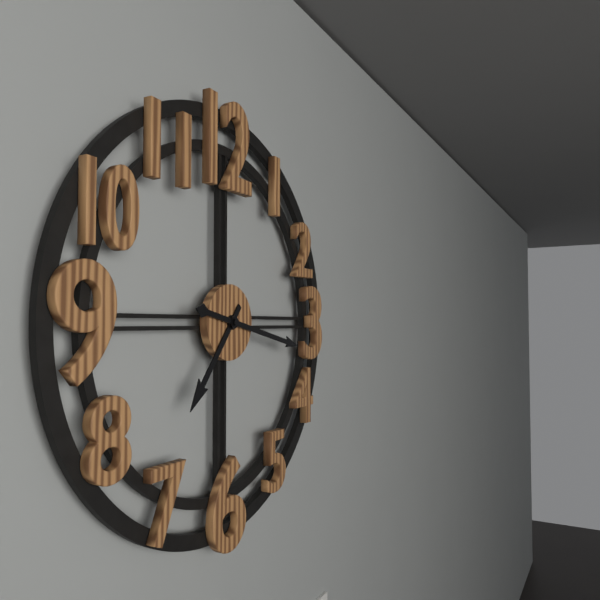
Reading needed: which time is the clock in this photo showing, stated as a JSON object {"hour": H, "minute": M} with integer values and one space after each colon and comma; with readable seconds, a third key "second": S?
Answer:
{"hour": 7, "minute": 17}
